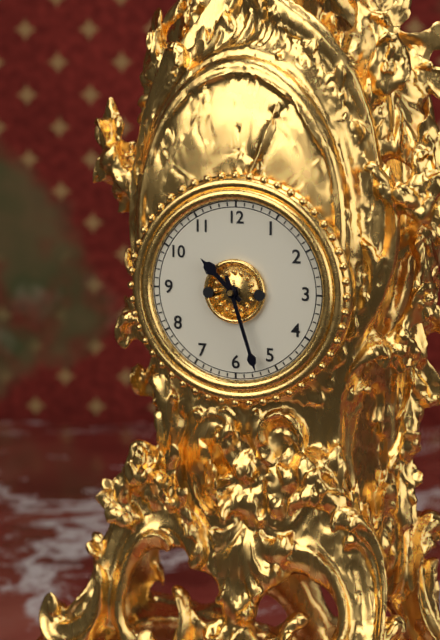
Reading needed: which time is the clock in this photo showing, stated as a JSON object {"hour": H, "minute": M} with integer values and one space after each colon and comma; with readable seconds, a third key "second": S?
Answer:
{"hour": 10, "minute": 27}
